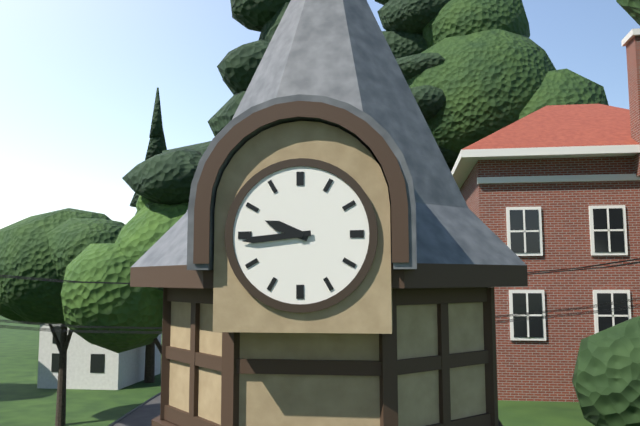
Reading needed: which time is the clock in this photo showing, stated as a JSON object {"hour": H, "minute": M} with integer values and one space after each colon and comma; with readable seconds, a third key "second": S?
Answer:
{"hour": 9, "minute": 44}
